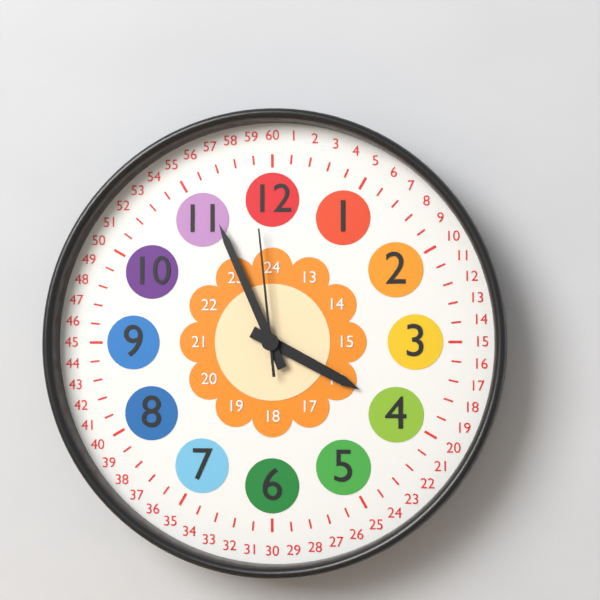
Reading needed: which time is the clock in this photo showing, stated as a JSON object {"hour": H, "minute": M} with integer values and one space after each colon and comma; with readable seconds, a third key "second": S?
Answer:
{"hour": 3, "minute": 56, "second": 59}
